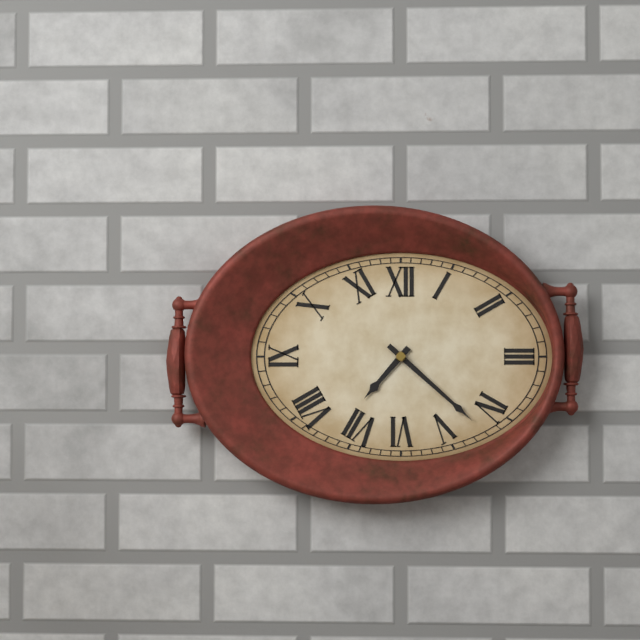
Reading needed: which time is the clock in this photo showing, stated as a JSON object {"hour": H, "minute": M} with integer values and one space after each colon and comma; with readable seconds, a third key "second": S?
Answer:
{"hour": 7, "minute": 22}
